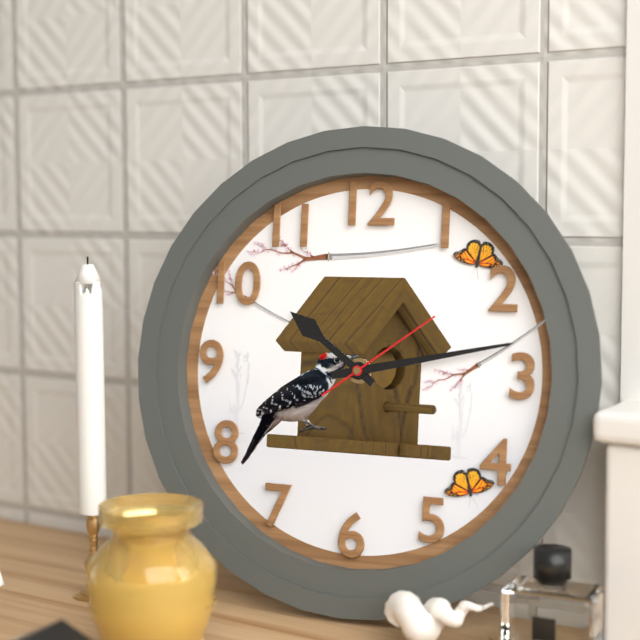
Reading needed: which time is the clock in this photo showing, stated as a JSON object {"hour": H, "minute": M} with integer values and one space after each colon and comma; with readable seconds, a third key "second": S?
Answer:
{"hour": 10, "minute": 13, "second": 9}
